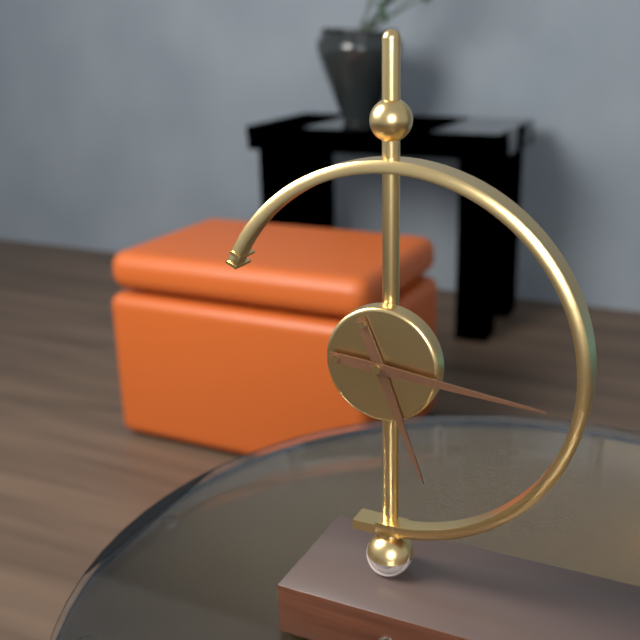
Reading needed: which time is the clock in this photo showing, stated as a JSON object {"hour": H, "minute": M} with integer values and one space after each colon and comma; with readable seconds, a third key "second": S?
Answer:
{"hour": 5, "minute": 16}
